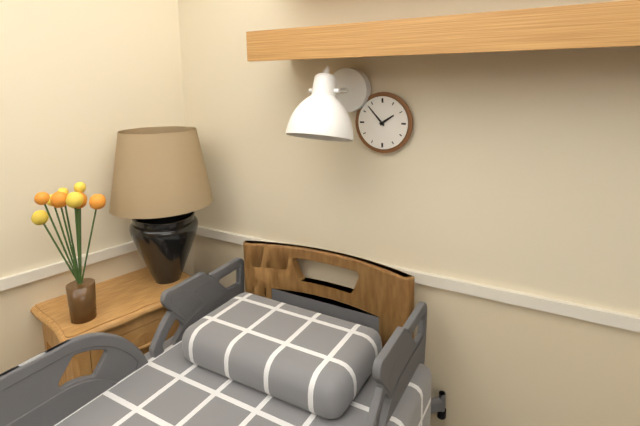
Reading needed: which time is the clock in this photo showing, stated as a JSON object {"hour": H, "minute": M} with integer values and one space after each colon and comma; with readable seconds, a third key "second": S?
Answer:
{"hour": 1, "minute": 53}
